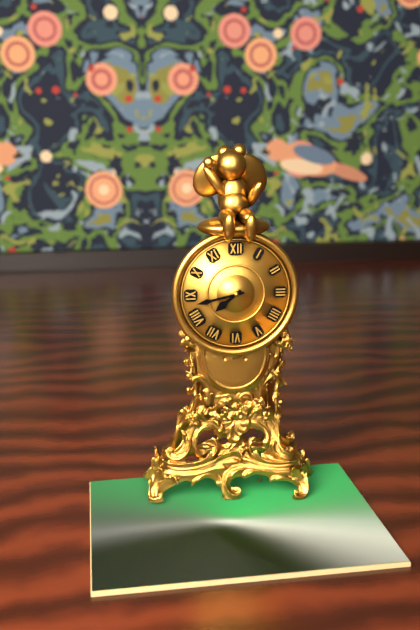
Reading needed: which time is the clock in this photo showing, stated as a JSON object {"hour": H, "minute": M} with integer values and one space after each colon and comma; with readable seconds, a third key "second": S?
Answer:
{"hour": 7, "minute": 43}
